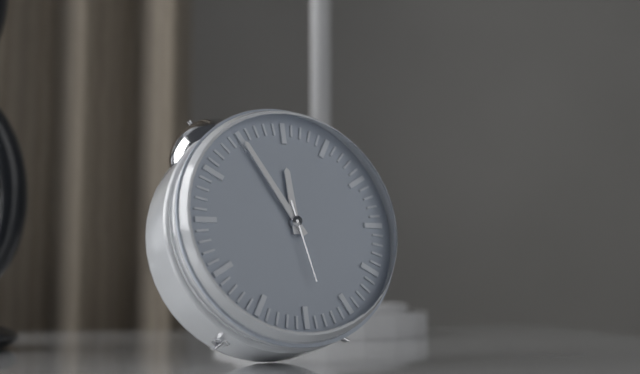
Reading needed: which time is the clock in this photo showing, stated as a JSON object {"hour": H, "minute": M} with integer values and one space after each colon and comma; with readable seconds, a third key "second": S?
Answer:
{"hour": 11, "minute": 55, "second": 28}
